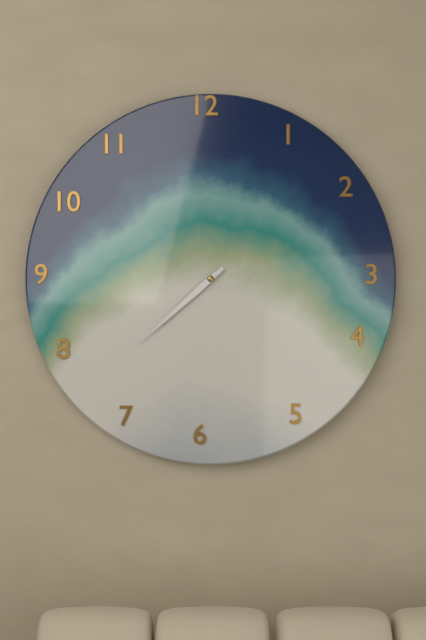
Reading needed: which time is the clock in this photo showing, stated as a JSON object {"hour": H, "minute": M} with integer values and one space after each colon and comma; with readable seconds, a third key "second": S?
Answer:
{"hour": 7, "minute": 38}
